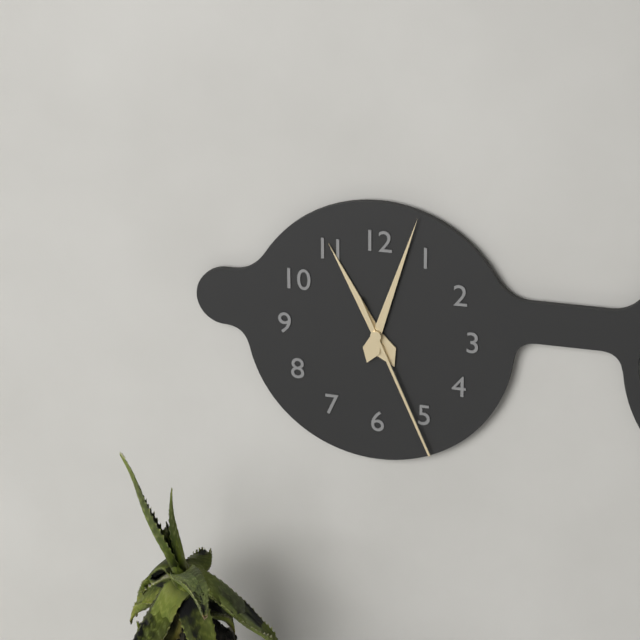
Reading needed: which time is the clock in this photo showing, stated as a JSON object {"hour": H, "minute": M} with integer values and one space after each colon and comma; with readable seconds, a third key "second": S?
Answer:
{"hour": 11, "minute": 3, "second": 26}
